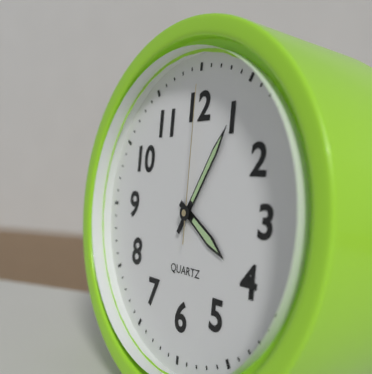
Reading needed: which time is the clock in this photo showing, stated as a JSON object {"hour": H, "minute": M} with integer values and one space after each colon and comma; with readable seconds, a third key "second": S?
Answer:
{"hour": 4, "minute": 5, "second": 0}
